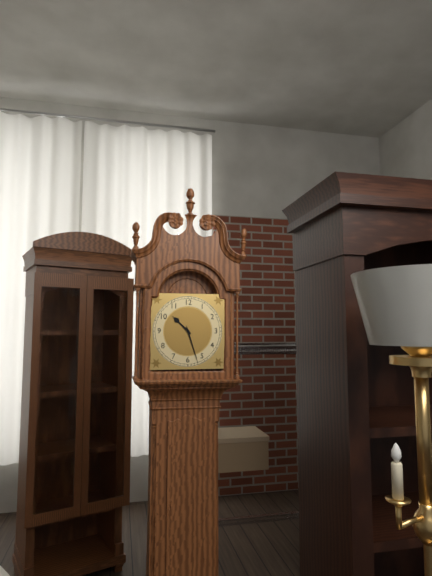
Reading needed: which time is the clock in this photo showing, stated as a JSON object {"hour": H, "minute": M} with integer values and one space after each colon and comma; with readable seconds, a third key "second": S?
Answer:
{"hour": 10, "minute": 27}
